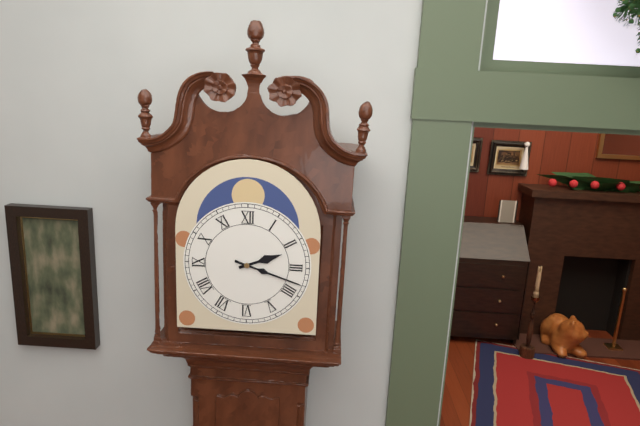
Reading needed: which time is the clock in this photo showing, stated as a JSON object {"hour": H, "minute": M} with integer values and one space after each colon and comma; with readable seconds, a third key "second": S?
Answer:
{"hour": 2, "minute": 18}
